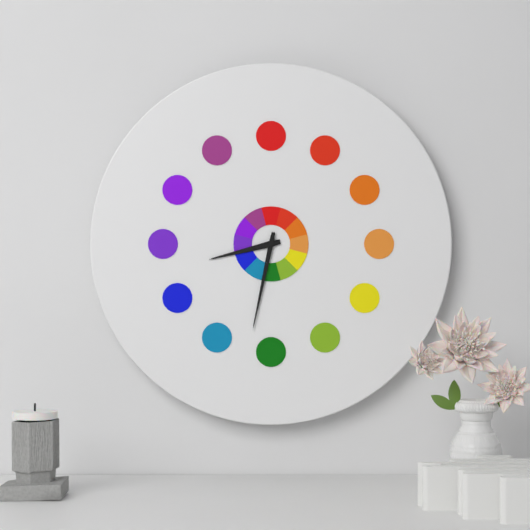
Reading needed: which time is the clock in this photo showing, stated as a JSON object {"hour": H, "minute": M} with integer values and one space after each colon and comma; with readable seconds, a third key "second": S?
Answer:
{"hour": 8, "minute": 32}
